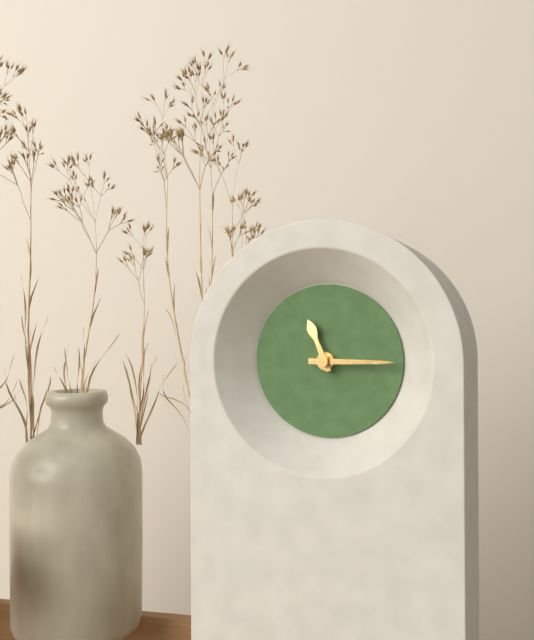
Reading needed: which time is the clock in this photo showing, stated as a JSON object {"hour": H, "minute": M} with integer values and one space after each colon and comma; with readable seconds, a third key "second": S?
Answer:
{"hour": 11, "minute": 15}
